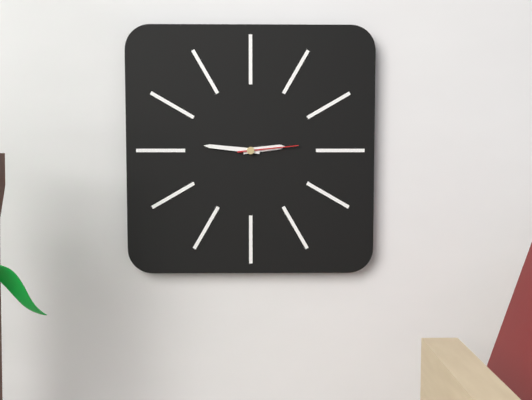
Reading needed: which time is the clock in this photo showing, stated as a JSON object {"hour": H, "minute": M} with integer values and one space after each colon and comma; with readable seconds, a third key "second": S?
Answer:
{"hour": 2, "minute": 46, "second": 14}
